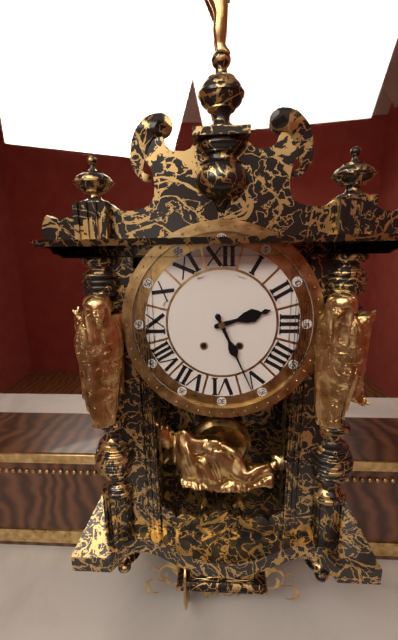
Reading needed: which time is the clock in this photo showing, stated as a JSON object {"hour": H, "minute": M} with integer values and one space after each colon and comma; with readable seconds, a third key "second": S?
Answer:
{"hour": 2, "minute": 26}
